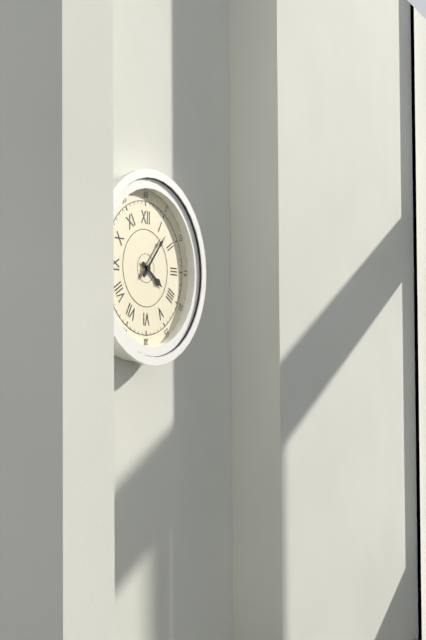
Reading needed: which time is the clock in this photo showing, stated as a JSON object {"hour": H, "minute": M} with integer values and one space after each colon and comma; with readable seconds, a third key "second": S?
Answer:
{"hour": 4, "minute": 7}
